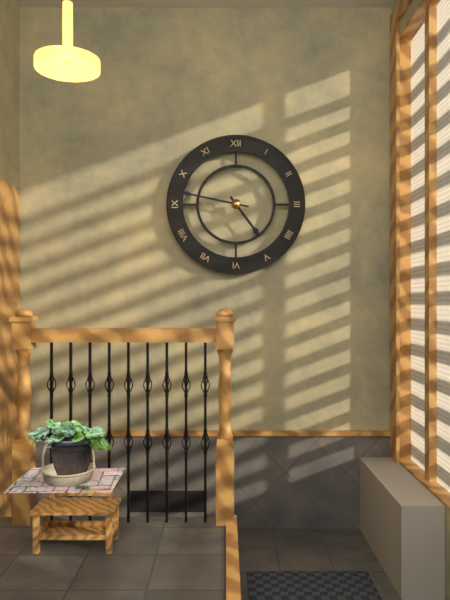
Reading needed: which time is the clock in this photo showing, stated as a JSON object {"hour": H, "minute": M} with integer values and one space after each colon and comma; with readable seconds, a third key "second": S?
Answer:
{"hour": 4, "minute": 47}
